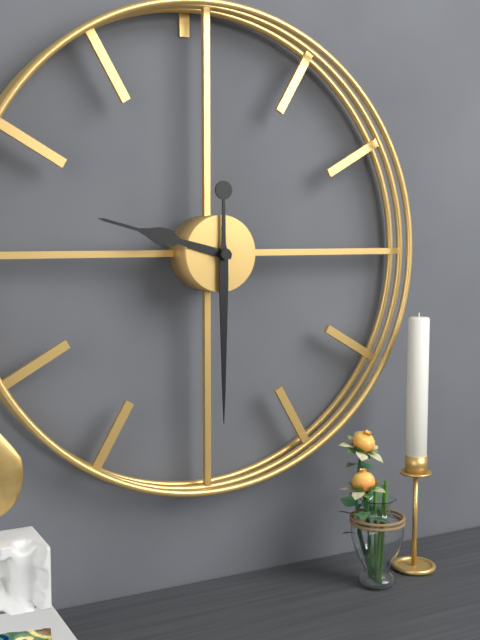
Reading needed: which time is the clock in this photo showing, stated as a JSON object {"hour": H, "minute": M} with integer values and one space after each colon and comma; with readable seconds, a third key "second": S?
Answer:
{"hour": 9, "minute": 30}
